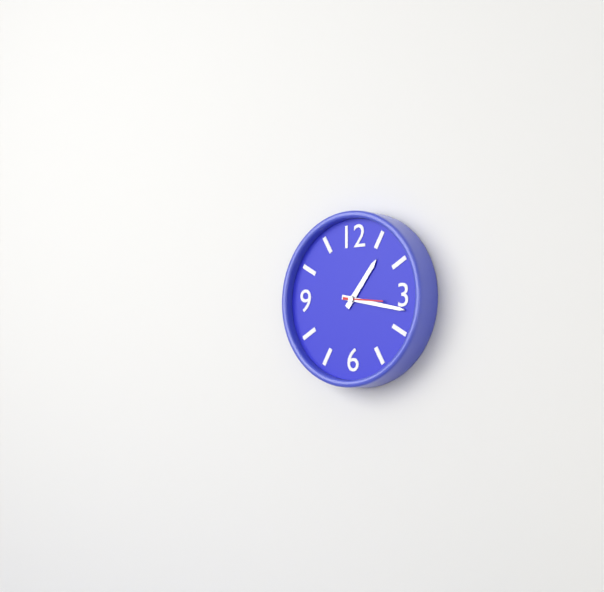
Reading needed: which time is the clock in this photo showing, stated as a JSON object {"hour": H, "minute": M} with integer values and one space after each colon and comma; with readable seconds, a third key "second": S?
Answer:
{"hour": 1, "minute": 17}
